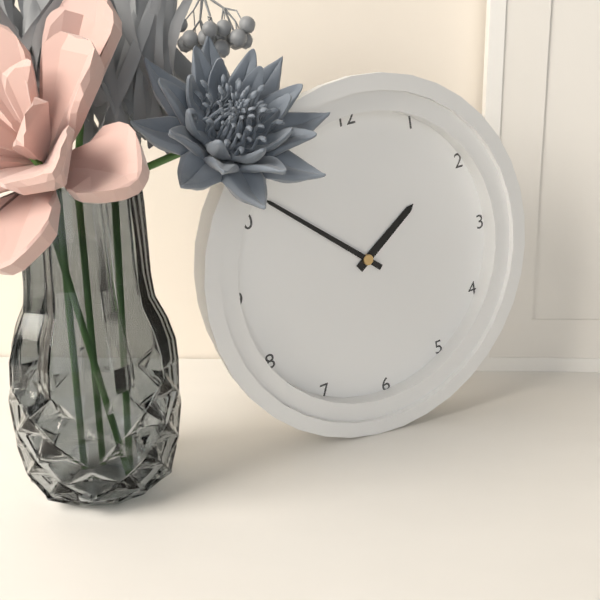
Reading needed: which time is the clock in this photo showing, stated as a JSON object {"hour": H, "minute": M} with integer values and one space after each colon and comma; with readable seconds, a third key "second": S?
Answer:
{"hour": 1, "minute": 52}
